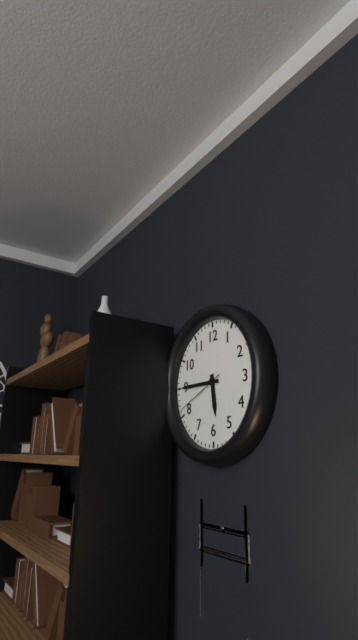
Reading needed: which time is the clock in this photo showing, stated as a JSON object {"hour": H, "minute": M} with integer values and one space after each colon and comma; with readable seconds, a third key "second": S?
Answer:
{"hour": 5, "minute": 45, "second": 41}
